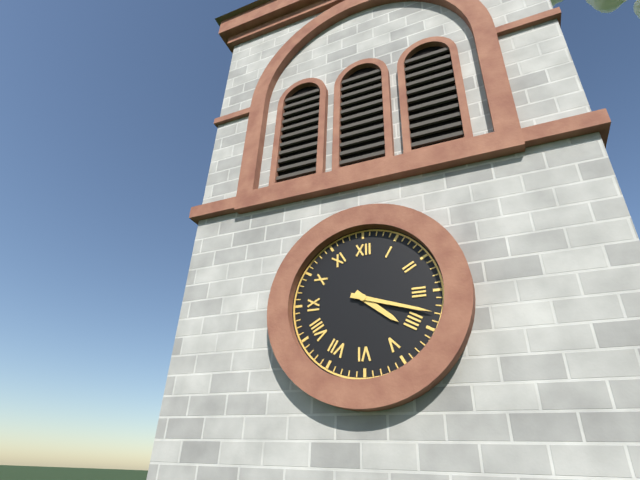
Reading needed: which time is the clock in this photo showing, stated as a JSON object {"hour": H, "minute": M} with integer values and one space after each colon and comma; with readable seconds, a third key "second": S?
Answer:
{"hour": 4, "minute": 18}
